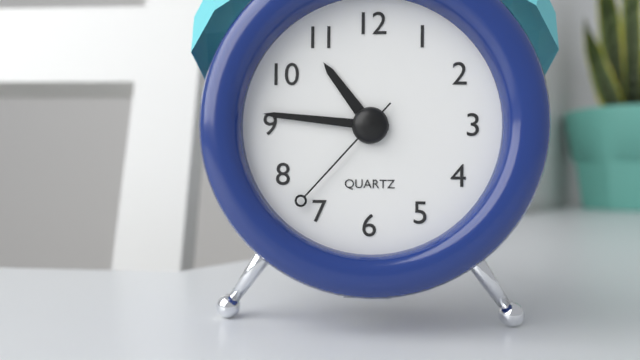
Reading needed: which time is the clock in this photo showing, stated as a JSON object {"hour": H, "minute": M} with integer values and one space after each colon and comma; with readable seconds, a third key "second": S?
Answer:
{"hour": 10, "minute": 46, "second": 37}
